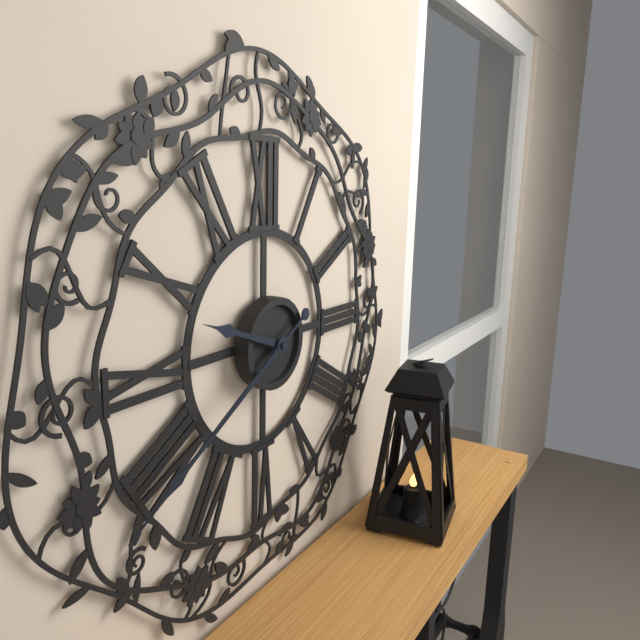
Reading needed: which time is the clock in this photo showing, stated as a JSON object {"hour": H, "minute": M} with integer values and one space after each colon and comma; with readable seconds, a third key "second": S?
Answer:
{"hour": 9, "minute": 40}
